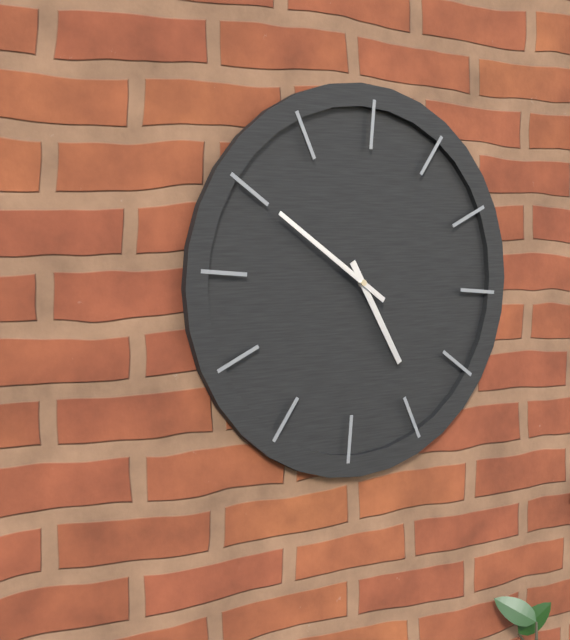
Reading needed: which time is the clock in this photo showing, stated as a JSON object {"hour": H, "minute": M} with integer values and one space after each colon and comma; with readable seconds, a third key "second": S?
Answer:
{"hour": 4, "minute": 50}
